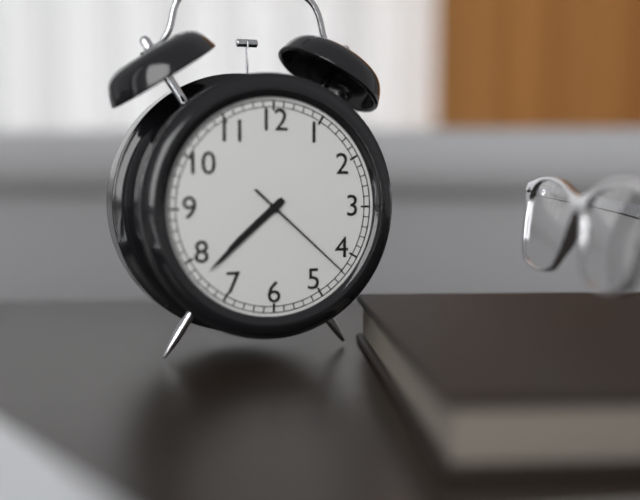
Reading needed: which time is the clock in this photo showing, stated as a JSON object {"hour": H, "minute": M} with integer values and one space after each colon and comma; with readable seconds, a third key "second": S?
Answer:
{"hour": 7, "minute": 38, "second": 22}
